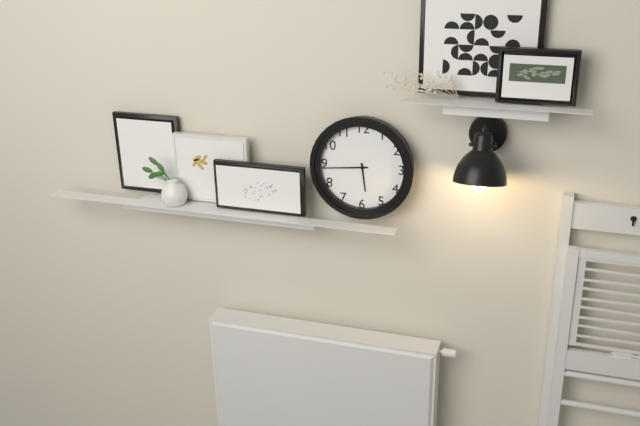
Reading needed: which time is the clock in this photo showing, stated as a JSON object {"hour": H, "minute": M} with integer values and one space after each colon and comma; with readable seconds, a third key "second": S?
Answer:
{"hour": 5, "minute": 44}
